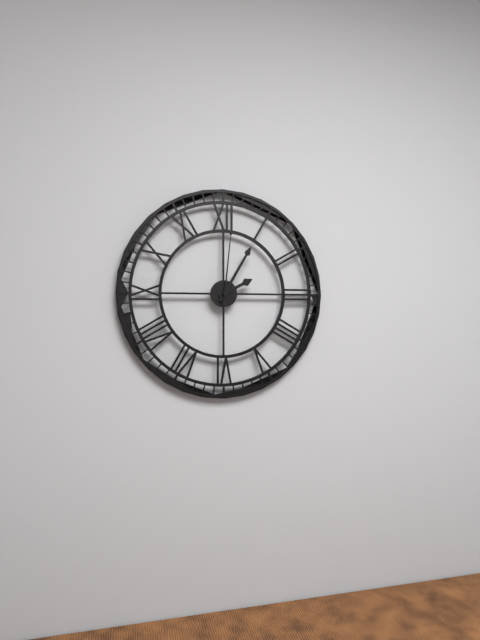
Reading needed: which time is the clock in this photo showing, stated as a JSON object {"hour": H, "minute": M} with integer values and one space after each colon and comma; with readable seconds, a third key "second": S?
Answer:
{"hour": 2, "minute": 5, "second": 1}
